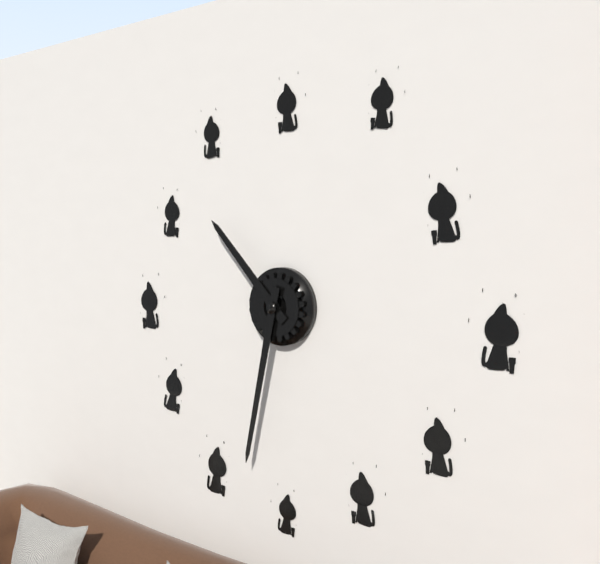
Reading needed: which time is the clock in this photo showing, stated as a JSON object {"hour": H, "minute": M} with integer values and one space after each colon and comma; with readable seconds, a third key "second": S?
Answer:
{"hour": 10, "minute": 32}
